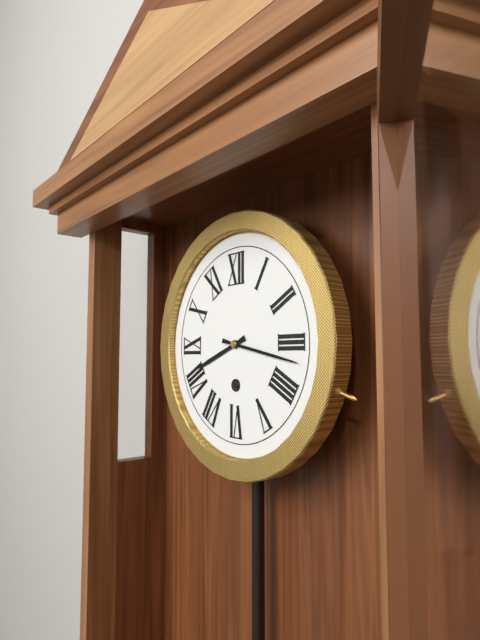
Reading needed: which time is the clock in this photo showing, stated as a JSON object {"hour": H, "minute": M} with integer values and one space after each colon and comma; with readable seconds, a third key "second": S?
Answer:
{"hour": 8, "minute": 17}
